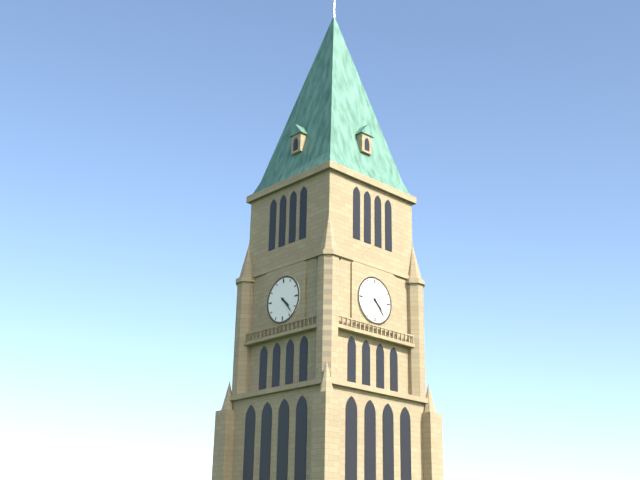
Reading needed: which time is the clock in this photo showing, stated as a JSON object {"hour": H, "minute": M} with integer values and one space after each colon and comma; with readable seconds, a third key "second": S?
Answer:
{"hour": 4, "minute": 23}
